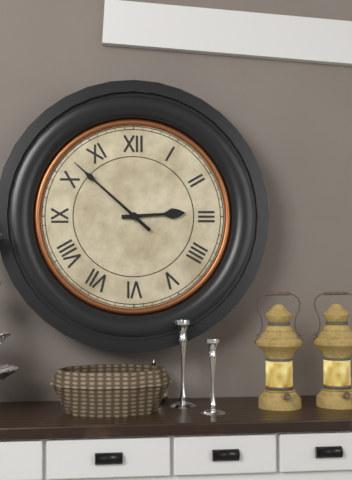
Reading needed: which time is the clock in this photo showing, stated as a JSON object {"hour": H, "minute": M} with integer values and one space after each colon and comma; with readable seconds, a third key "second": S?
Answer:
{"hour": 2, "minute": 52}
